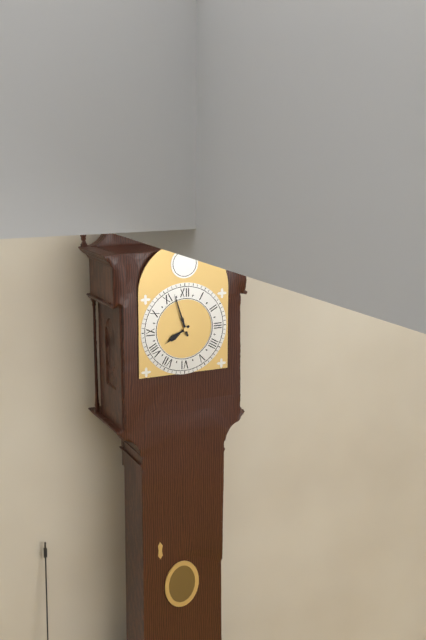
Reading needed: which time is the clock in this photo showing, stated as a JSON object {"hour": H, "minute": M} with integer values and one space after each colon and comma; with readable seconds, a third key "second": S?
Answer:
{"hour": 7, "minute": 57}
